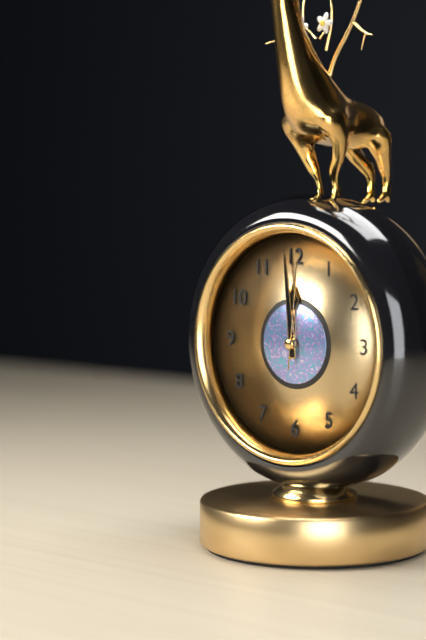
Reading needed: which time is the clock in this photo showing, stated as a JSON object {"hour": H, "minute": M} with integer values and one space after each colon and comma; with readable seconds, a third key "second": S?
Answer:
{"hour": 11, "minute": 59, "second": 1}
